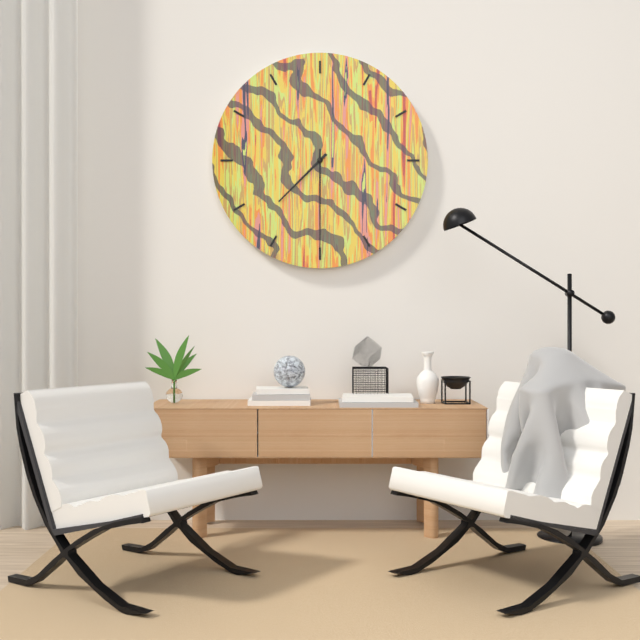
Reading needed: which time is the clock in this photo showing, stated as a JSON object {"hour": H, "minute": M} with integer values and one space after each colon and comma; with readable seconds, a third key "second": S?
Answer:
{"hour": 7, "minute": 30}
